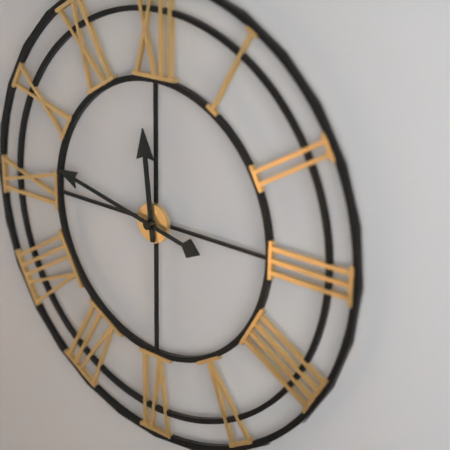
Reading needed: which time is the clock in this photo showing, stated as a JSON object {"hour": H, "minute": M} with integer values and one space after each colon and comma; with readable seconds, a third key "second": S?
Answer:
{"hour": 11, "minute": 47}
